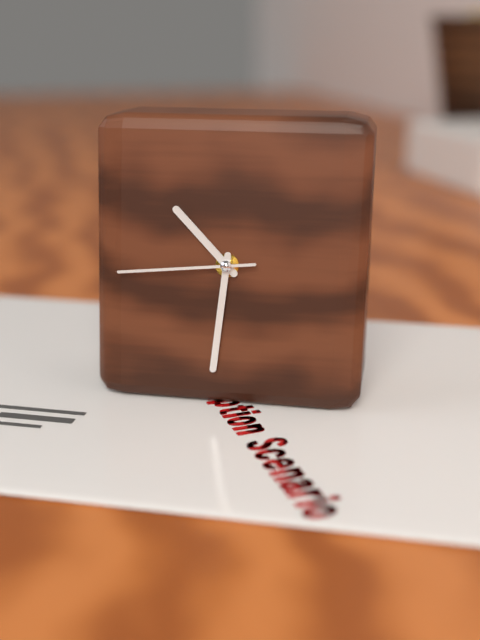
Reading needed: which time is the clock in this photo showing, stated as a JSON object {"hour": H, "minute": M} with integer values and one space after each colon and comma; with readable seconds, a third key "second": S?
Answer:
{"hour": 10, "minute": 31, "second": 44}
